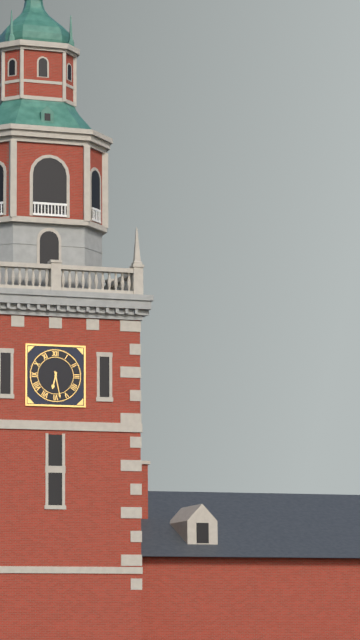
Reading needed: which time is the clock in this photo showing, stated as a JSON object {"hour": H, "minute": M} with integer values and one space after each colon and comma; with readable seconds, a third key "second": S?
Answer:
{"hour": 6, "minute": 28}
